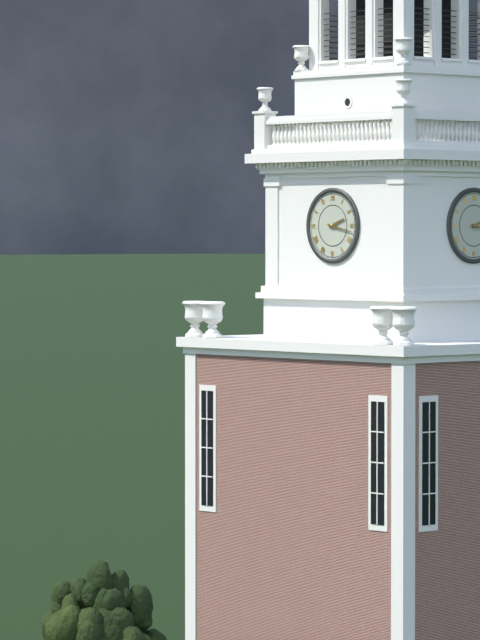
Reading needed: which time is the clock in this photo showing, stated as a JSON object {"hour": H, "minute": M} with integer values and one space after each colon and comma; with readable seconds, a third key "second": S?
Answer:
{"hour": 2, "minute": 17}
